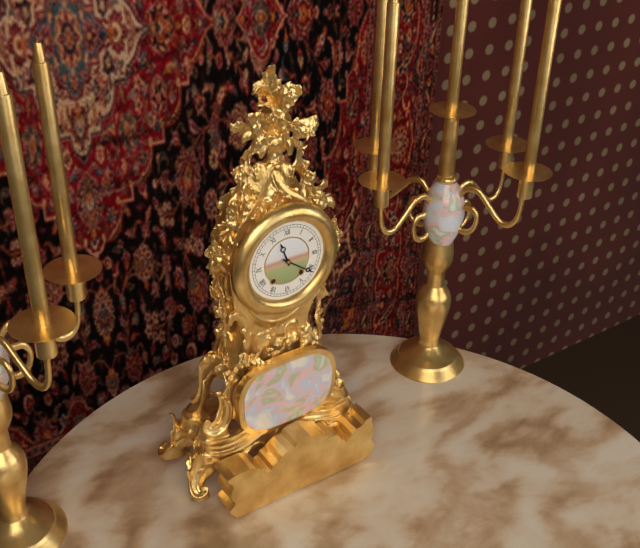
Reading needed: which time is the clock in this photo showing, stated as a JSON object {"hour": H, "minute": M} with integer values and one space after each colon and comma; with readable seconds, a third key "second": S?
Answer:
{"hour": 11, "minute": 21}
